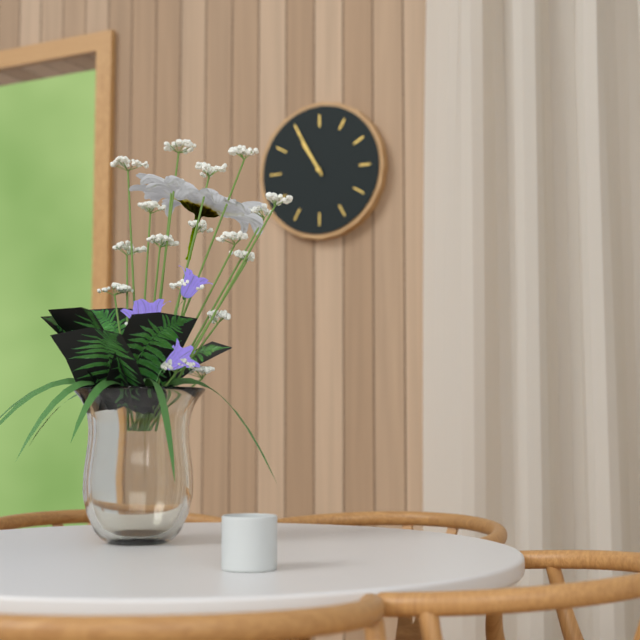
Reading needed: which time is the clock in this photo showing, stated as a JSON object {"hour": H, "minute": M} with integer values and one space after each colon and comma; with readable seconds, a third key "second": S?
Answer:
{"hour": 10, "minute": 55}
